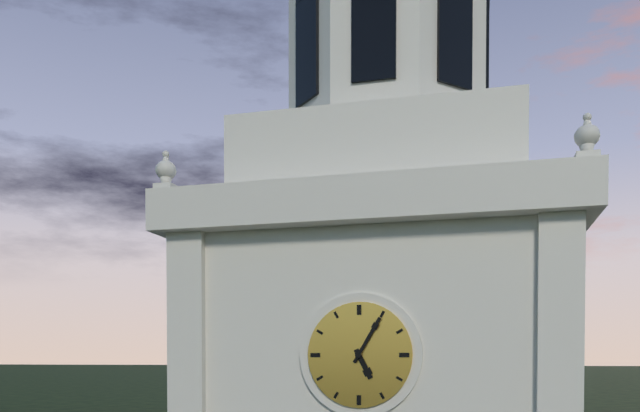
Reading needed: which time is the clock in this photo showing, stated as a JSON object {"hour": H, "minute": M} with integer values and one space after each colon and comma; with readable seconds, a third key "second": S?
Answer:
{"hour": 5, "minute": 5}
